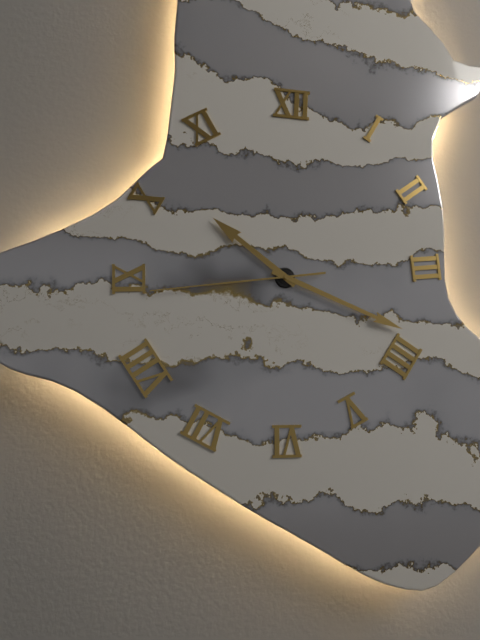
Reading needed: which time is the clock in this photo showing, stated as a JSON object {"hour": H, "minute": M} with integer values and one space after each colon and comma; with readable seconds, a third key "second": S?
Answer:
{"hour": 10, "minute": 19, "second": 44}
